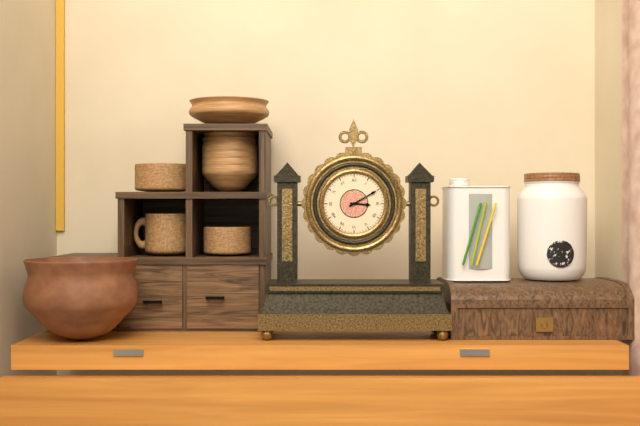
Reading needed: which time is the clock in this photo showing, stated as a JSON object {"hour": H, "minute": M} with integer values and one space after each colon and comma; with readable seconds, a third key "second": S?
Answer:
{"hour": 3, "minute": 10}
